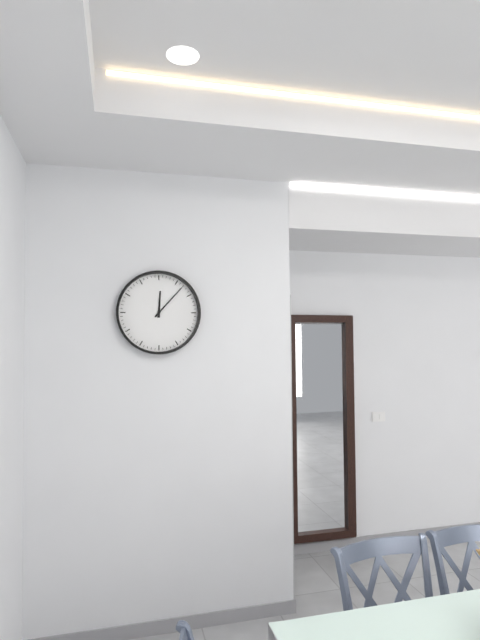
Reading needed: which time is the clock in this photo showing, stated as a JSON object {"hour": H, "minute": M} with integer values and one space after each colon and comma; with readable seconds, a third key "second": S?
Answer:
{"hour": 12, "minute": 7}
